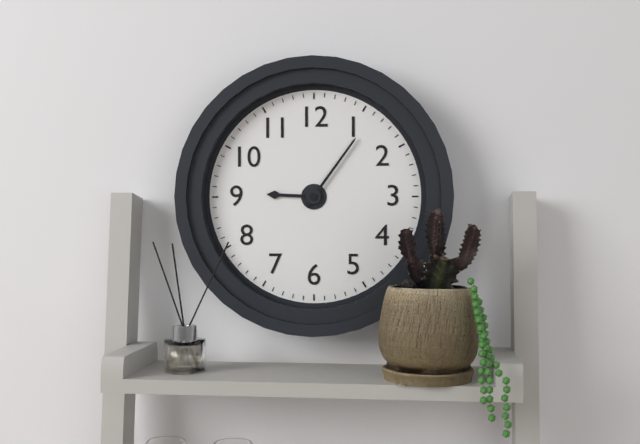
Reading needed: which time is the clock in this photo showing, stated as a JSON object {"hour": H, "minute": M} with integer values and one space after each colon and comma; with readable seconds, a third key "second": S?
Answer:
{"hour": 9, "minute": 6}
